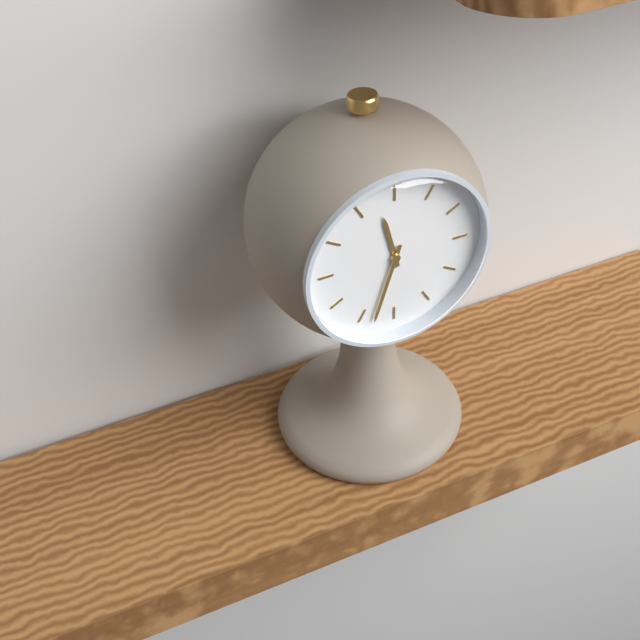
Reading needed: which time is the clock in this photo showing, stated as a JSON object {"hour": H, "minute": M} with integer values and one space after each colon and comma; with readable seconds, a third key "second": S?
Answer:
{"hour": 11, "minute": 33}
